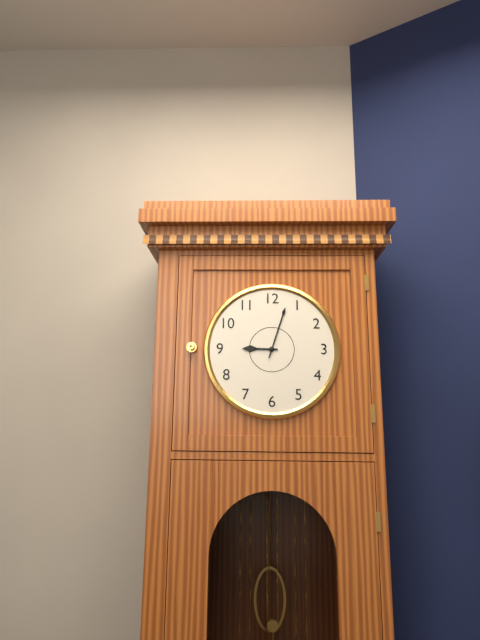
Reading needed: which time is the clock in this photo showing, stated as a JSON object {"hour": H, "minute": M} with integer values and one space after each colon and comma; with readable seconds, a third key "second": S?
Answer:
{"hour": 9, "minute": 3}
